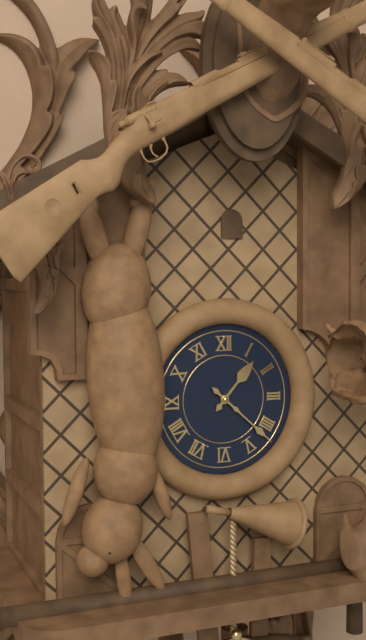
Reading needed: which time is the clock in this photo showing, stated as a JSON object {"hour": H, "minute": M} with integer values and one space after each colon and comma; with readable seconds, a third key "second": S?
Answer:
{"hour": 1, "minute": 22}
